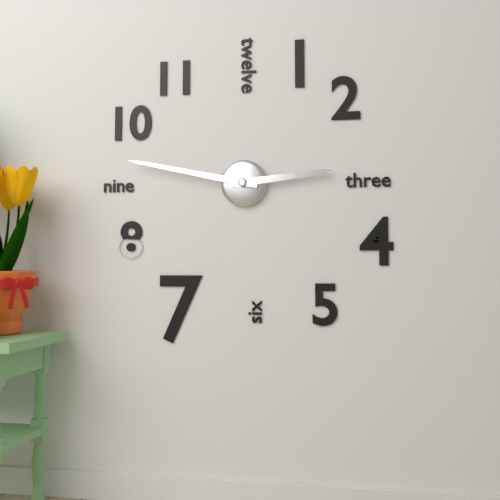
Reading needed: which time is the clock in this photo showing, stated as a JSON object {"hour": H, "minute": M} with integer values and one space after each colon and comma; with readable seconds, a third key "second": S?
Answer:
{"hour": 2, "minute": 47}
